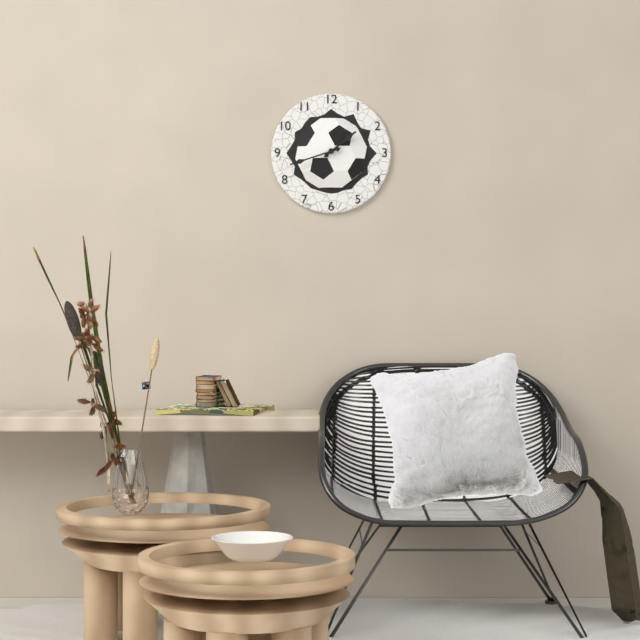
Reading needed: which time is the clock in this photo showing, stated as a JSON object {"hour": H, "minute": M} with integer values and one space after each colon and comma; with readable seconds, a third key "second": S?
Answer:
{"hour": 1, "minute": 42}
